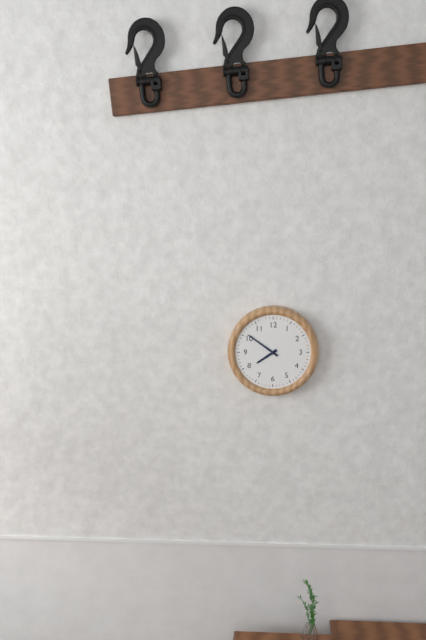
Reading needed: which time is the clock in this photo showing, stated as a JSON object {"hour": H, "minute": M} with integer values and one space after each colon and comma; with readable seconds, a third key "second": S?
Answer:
{"hour": 7, "minute": 51}
